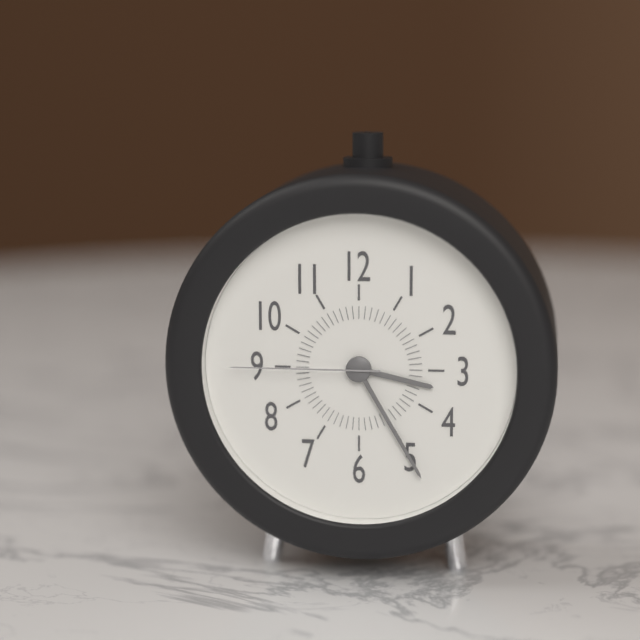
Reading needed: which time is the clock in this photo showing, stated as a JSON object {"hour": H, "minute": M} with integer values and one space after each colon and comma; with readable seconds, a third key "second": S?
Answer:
{"hour": 3, "minute": 25, "second": 45}
